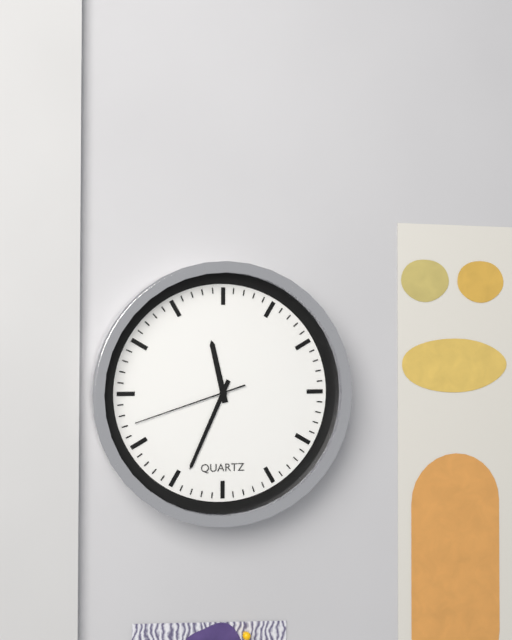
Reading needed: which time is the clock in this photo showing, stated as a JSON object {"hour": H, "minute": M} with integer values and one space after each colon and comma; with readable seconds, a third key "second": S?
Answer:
{"hour": 11, "minute": 34, "second": 42}
